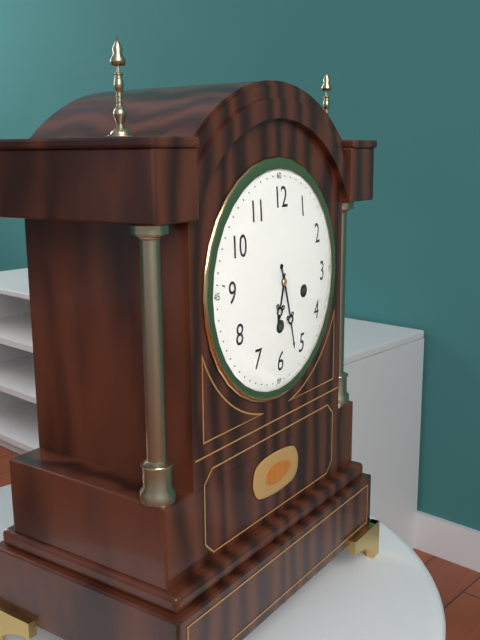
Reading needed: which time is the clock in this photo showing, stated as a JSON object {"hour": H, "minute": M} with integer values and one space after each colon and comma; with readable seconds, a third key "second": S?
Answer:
{"hour": 6, "minute": 27}
